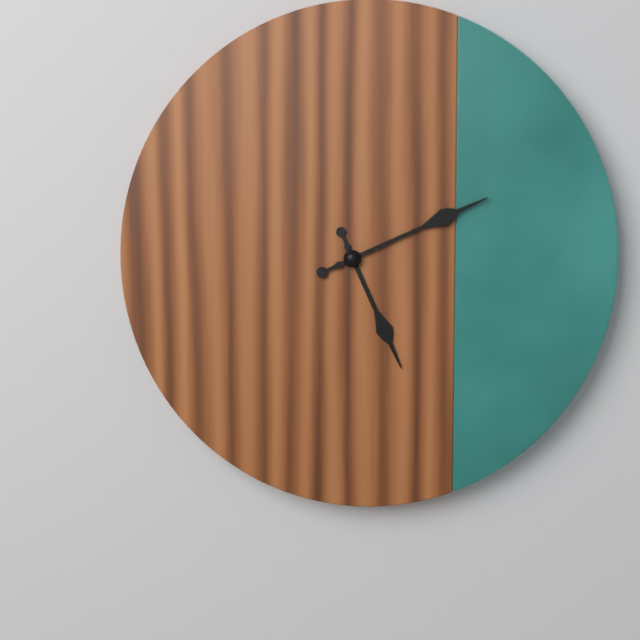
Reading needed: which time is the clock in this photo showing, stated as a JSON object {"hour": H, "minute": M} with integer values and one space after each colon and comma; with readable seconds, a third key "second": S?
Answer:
{"hour": 5, "minute": 11}
